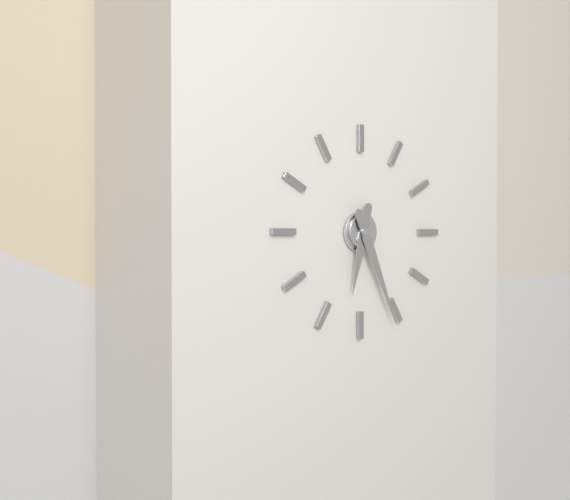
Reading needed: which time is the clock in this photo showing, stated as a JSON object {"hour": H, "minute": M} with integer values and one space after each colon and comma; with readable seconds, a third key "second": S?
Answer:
{"hour": 6, "minute": 26}
